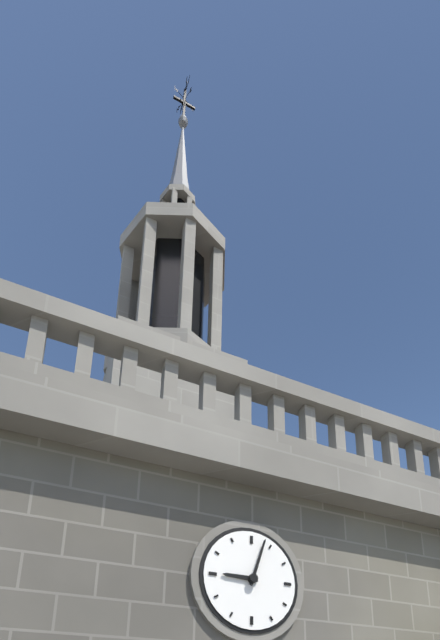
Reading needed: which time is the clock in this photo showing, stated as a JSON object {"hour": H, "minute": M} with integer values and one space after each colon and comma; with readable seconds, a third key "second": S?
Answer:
{"hour": 9, "minute": 3}
